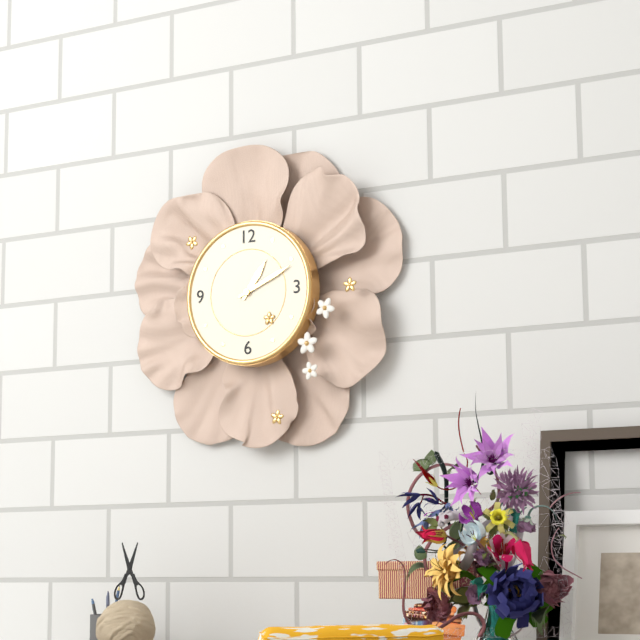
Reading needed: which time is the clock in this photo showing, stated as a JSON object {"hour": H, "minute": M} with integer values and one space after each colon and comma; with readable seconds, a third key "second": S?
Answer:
{"hour": 1, "minute": 11}
